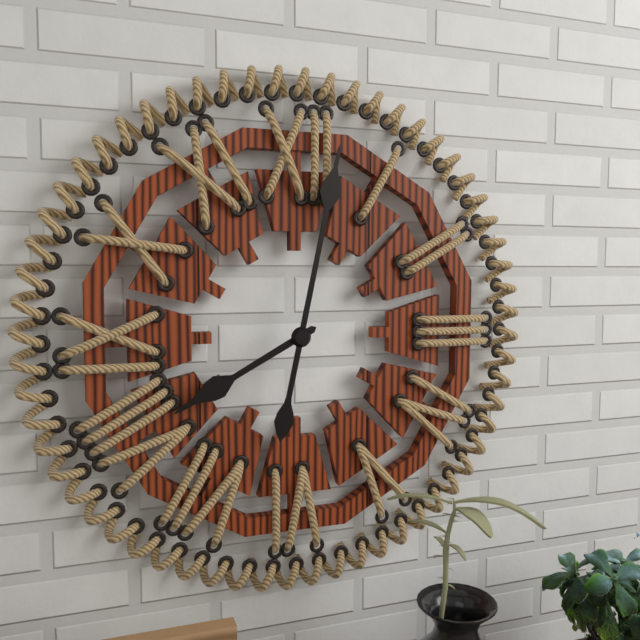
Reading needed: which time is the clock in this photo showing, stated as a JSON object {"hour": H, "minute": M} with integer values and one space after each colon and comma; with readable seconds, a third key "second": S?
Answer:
{"hour": 8, "minute": 2}
